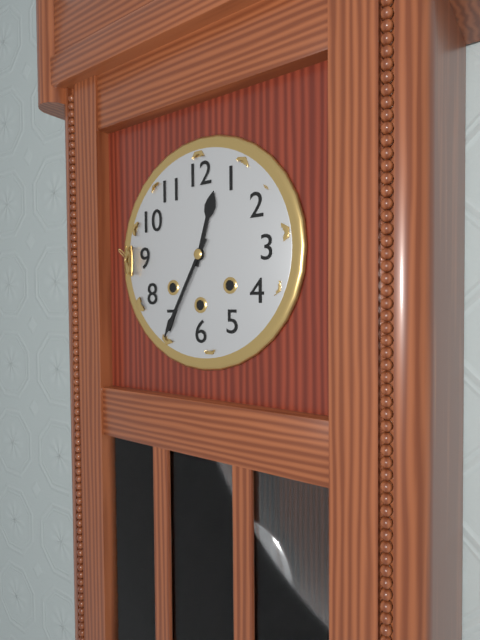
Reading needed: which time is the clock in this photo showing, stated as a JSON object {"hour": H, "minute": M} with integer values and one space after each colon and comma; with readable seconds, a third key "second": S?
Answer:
{"hour": 12, "minute": 35}
